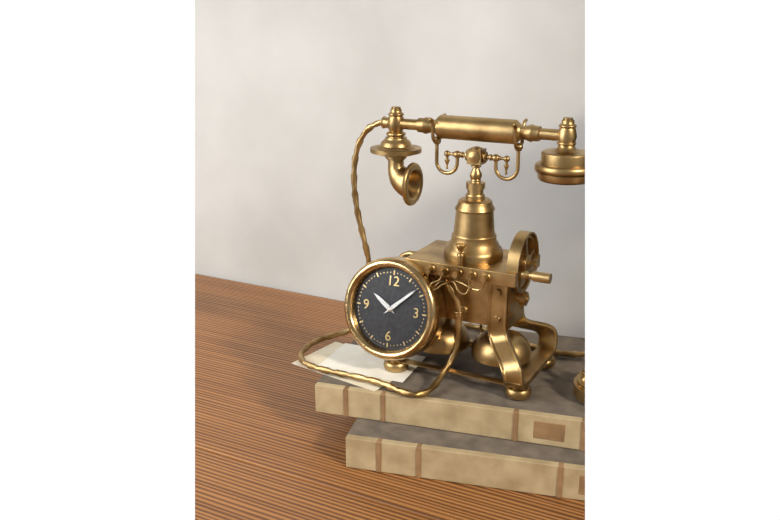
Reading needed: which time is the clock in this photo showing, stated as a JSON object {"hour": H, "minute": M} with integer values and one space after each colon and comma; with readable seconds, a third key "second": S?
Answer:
{"hour": 10, "minute": 8}
